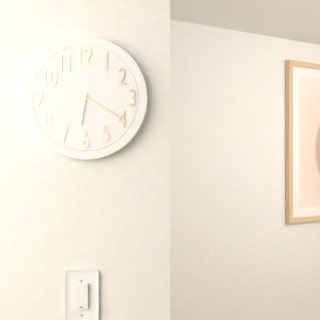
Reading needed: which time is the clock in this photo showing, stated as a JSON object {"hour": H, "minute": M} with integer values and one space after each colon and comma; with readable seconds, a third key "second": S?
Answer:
{"hour": 6, "minute": 20}
